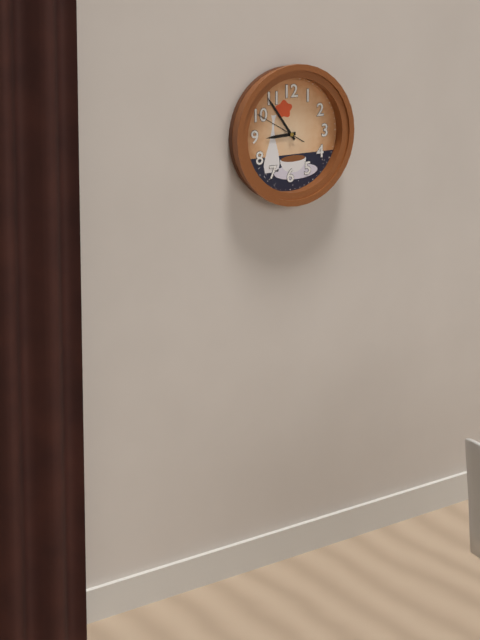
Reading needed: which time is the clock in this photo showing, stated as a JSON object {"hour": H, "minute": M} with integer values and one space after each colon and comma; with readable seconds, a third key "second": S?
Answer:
{"hour": 8, "minute": 54}
